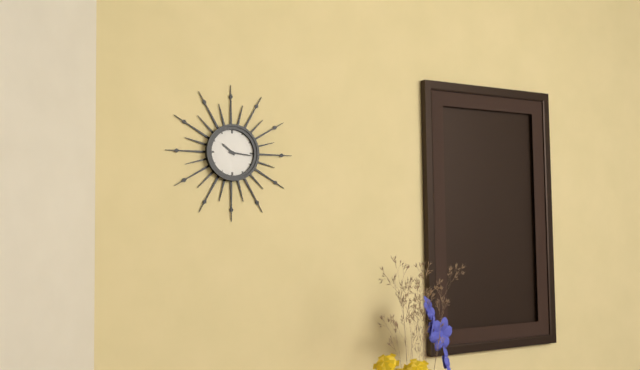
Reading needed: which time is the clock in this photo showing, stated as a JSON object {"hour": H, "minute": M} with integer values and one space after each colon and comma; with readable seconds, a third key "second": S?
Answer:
{"hour": 10, "minute": 16}
